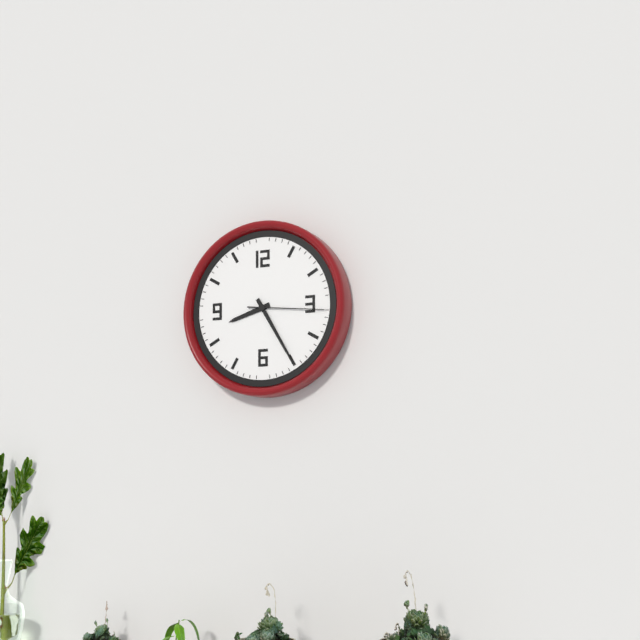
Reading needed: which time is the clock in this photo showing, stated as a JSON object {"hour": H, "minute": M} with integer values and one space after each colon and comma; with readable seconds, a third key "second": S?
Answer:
{"hour": 8, "minute": 25, "second": 16}
